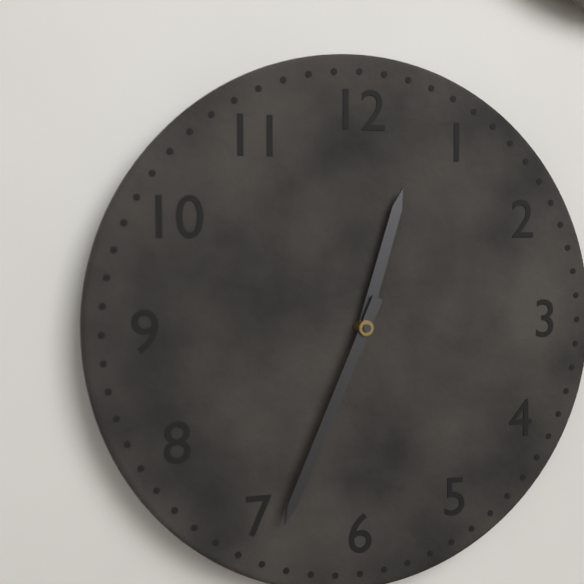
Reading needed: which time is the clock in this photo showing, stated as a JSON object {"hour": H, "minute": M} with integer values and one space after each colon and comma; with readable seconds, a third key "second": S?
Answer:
{"hour": 12, "minute": 34}
